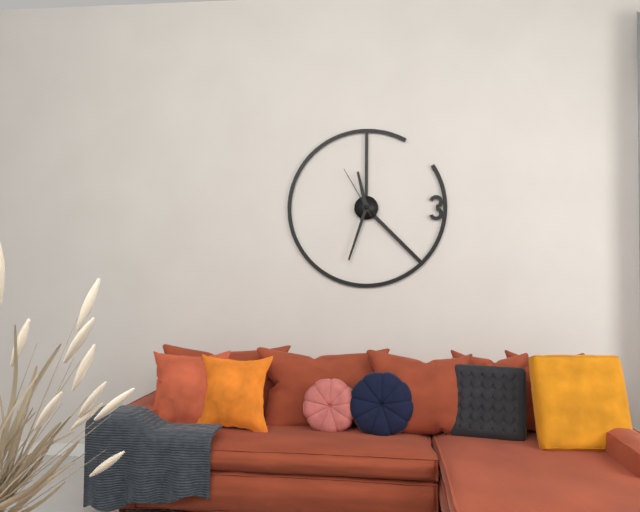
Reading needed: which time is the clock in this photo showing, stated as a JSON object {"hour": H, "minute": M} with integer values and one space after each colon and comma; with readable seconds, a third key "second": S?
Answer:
{"hour": 11, "minute": 33, "second": 55}
